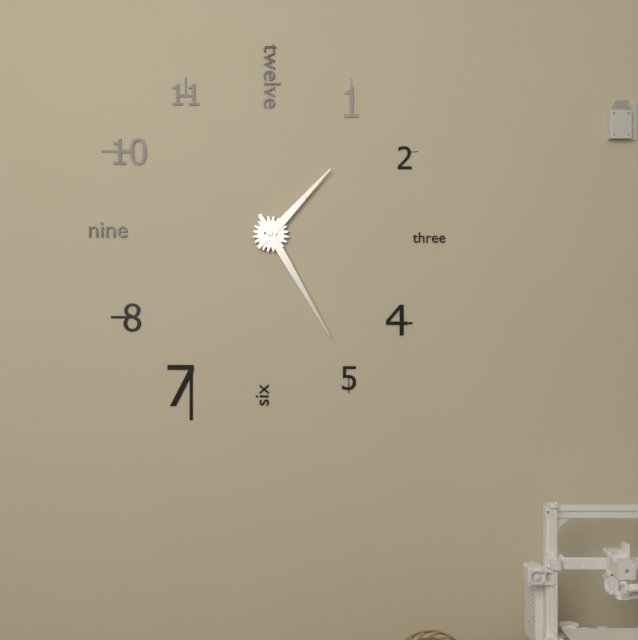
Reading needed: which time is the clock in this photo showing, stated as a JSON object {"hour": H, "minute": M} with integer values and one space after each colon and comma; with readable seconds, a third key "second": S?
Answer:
{"hour": 1, "minute": 25}
